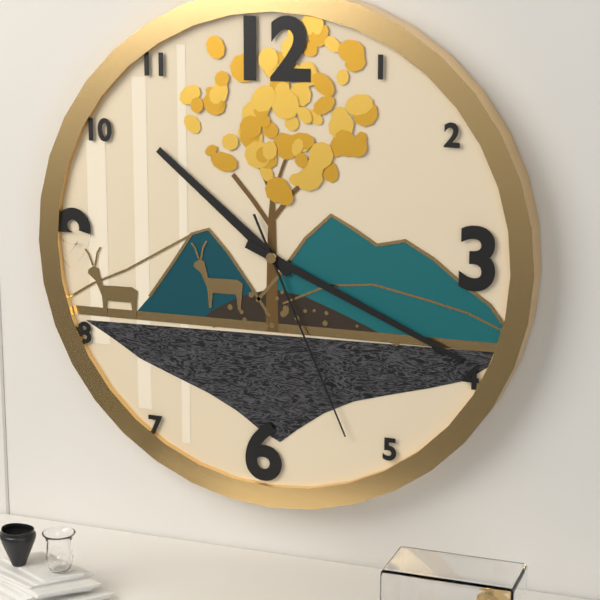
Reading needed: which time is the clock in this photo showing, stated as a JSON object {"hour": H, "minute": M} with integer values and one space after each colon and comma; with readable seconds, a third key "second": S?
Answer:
{"hour": 10, "minute": 19, "second": 26}
